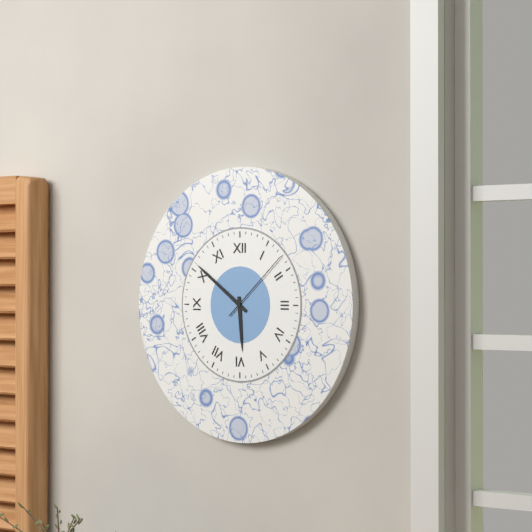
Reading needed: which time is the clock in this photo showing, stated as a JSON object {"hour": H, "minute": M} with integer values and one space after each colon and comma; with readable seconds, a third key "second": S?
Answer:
{"hour": 5, "minute": 51, "second": 8}
